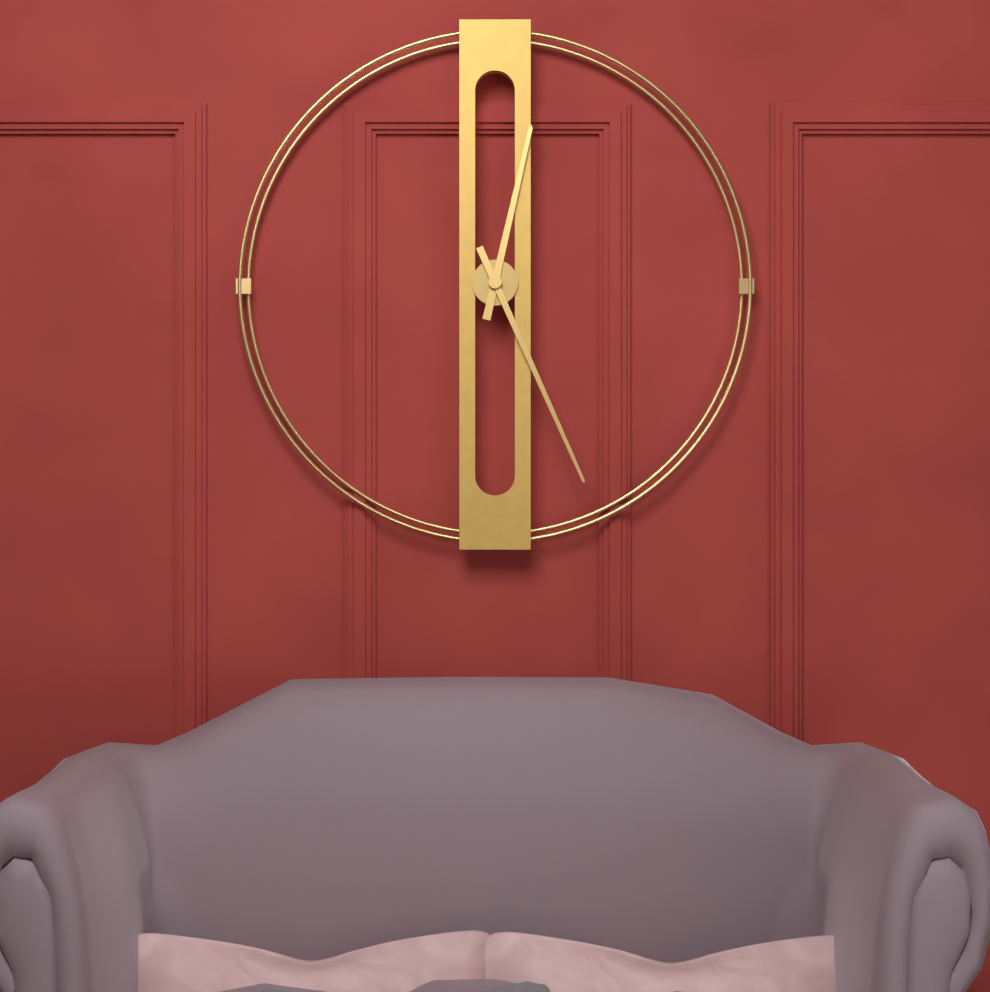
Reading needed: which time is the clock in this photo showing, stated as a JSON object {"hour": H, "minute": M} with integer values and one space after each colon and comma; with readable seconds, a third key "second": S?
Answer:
{"hour": 12, "minute": 26}
